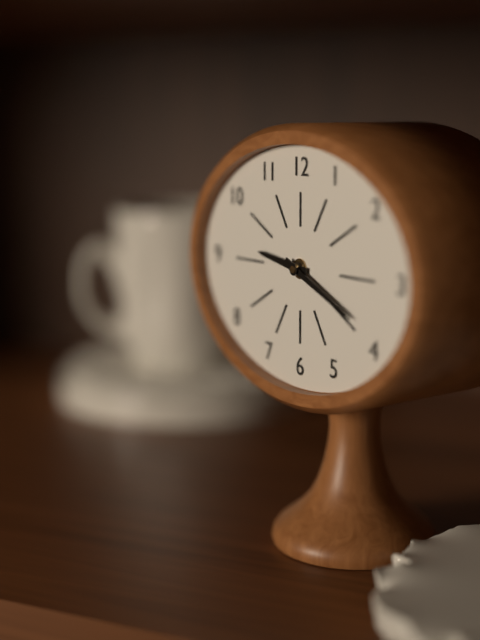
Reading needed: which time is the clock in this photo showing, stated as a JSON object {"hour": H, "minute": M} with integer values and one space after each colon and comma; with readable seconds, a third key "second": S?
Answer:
{"hour": 9, "minute": 19}
